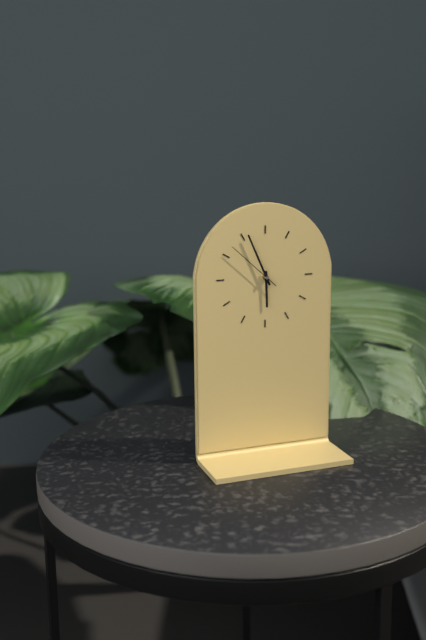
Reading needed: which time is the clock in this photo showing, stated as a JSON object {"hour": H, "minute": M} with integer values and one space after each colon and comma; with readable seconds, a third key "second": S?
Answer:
{"hour": 5, "minute": 56, "second": 52}
